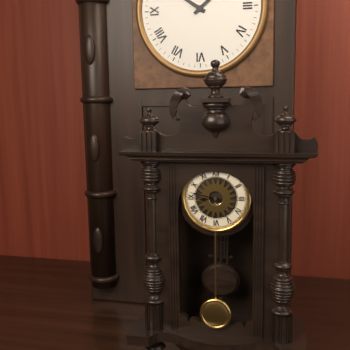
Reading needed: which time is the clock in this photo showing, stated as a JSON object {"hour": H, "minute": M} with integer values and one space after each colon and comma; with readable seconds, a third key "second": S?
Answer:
{"hour": 8, "minute": 47}
